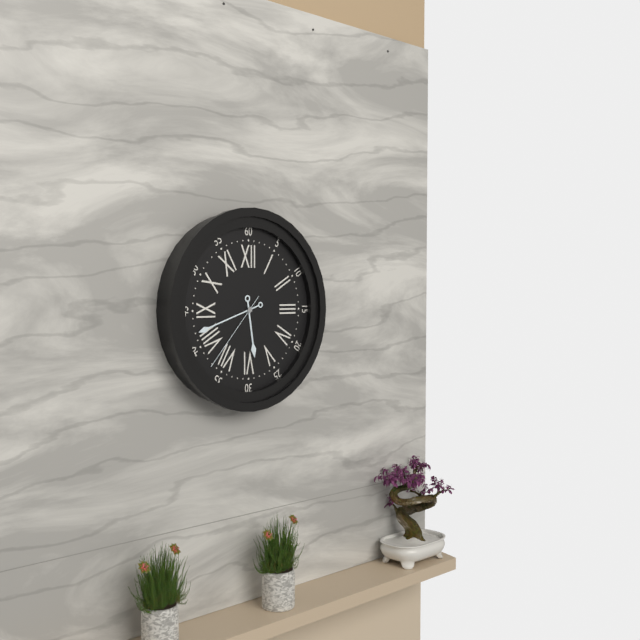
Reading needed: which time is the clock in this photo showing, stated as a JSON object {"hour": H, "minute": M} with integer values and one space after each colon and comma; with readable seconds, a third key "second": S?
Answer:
{"hour": 5, "minute": 42, "second": 37}
